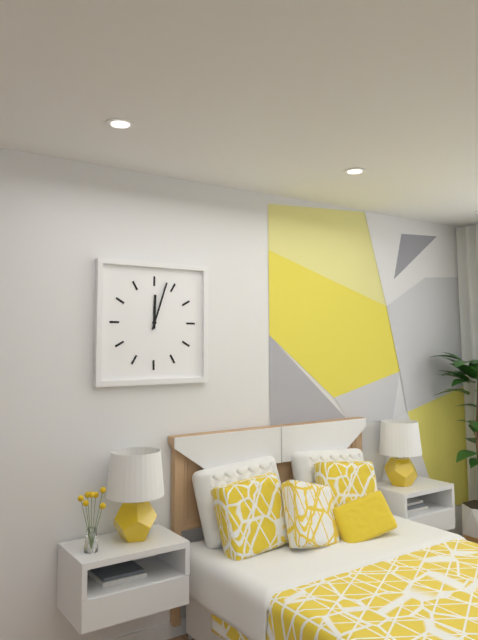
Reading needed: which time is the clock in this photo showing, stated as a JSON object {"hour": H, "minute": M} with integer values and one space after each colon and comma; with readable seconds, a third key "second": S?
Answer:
{"hour": 12, "minute": 3}
